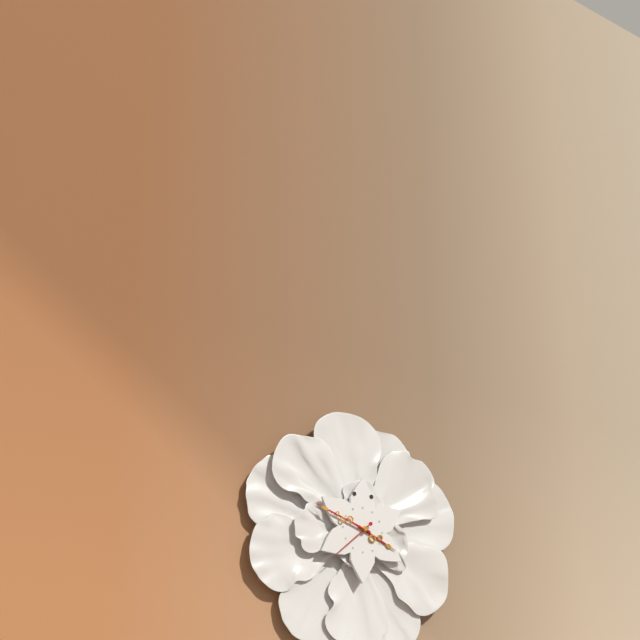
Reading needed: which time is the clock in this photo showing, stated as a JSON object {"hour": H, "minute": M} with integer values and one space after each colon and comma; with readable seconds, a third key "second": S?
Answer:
{"hour": 3, "minute": 48, "second": 38}
